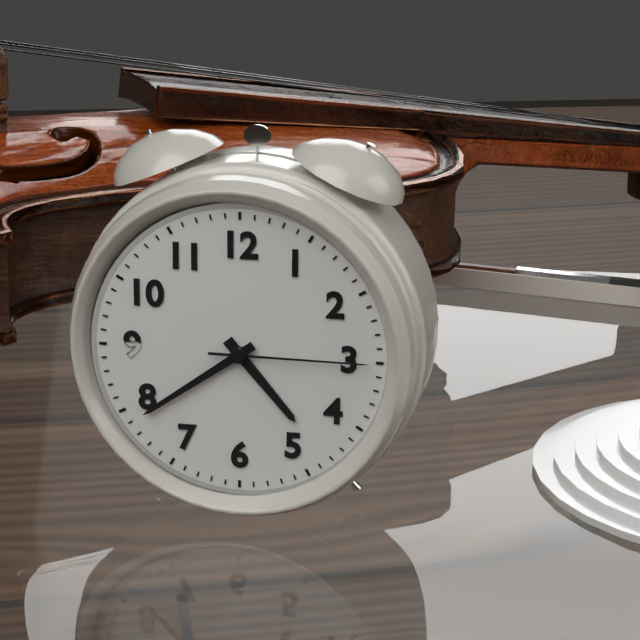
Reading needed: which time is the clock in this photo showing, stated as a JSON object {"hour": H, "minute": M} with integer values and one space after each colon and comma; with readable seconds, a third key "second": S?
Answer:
{"hour": 4, "minute": 39, "second": 15}
